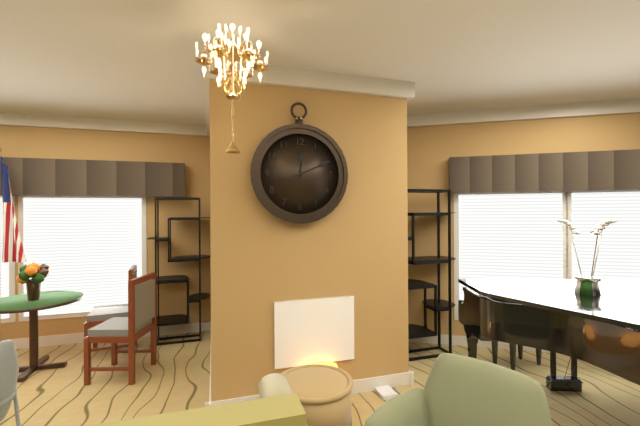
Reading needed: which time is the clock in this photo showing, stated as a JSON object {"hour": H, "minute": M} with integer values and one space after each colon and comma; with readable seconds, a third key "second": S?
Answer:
{"hour": 12, "minute": 11}
